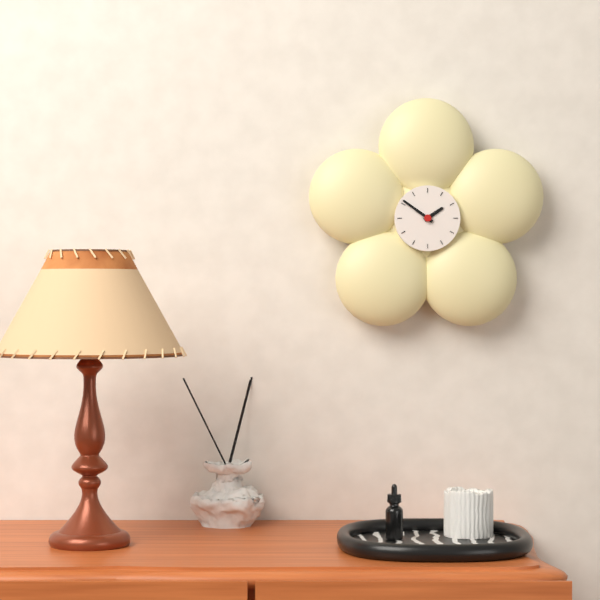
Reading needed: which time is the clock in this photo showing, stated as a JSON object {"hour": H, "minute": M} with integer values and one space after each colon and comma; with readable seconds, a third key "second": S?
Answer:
{"hour": 1, "minute": 51}
